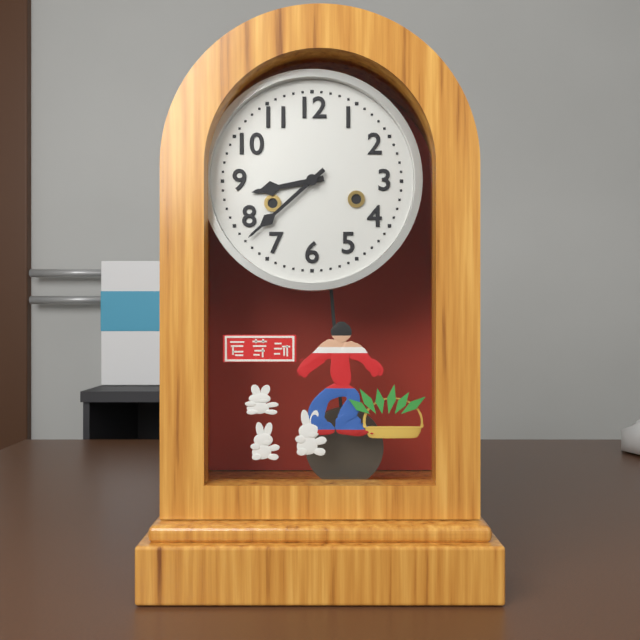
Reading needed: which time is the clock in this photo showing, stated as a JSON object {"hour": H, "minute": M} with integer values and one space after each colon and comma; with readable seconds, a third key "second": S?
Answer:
{"hour": 8, "minute": 38}
